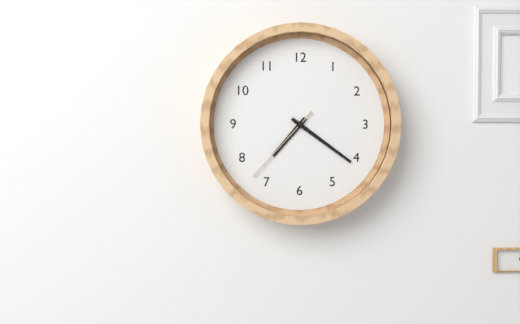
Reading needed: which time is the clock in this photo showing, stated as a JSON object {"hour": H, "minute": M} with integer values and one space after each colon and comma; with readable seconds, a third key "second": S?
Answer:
{"hour": 7, "minute": 21, "second": 37}
